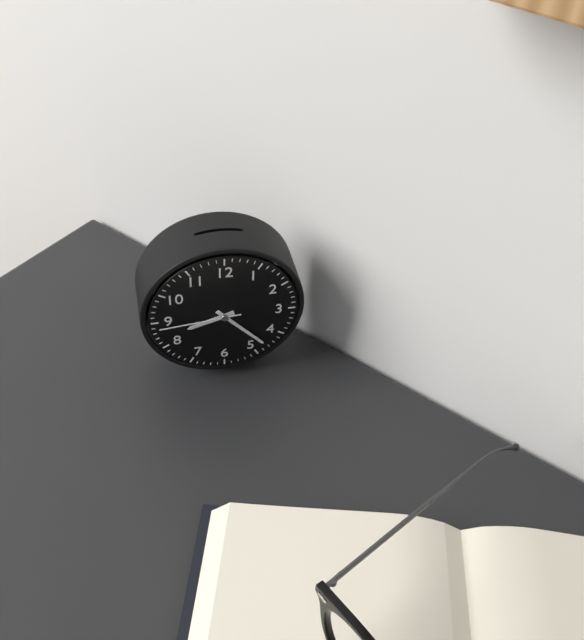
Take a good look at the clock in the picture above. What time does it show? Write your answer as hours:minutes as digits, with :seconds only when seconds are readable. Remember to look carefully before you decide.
8:23:44
